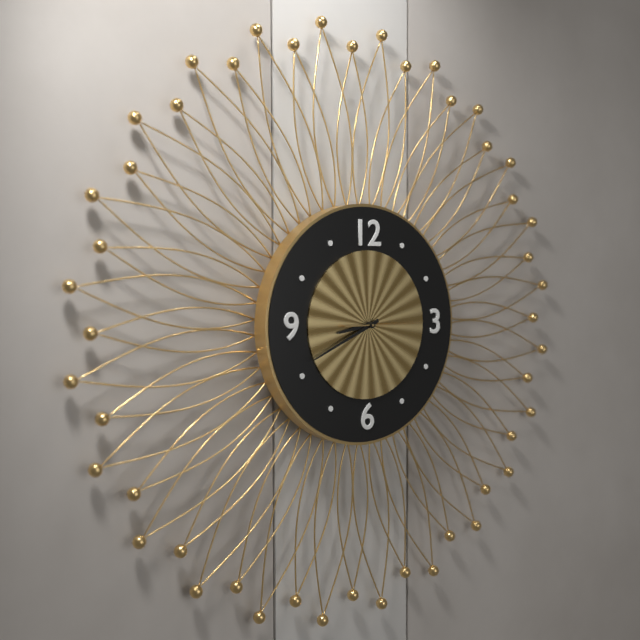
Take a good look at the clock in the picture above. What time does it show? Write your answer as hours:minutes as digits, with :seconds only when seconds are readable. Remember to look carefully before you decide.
8:41:15
